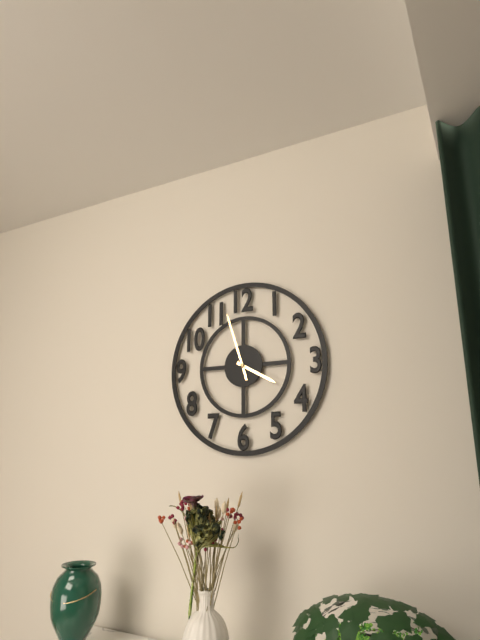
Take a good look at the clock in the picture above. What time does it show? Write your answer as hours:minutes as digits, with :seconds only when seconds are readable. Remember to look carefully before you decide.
3:57
